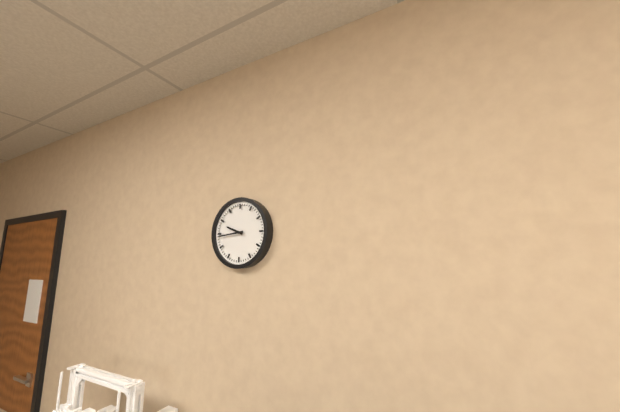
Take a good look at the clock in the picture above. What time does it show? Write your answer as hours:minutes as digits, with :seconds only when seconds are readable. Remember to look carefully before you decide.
9:44
